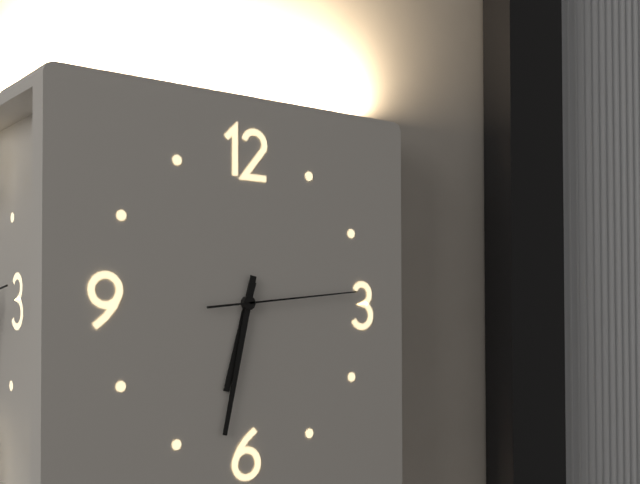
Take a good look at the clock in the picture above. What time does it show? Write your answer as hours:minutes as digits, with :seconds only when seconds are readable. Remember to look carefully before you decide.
6:32:14
